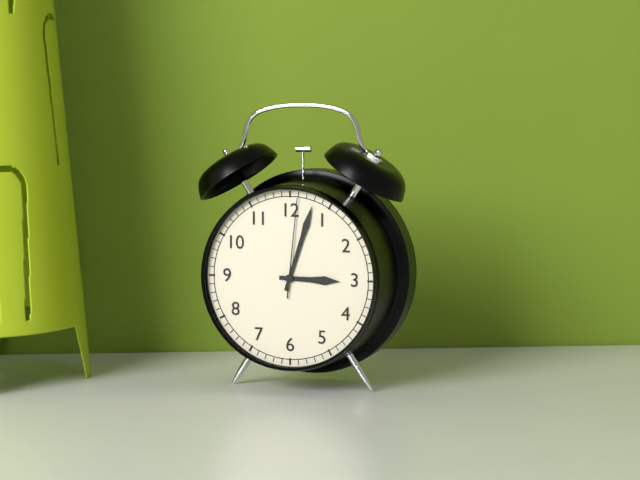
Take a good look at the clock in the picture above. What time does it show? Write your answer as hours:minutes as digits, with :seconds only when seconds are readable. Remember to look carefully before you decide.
3:03:01
